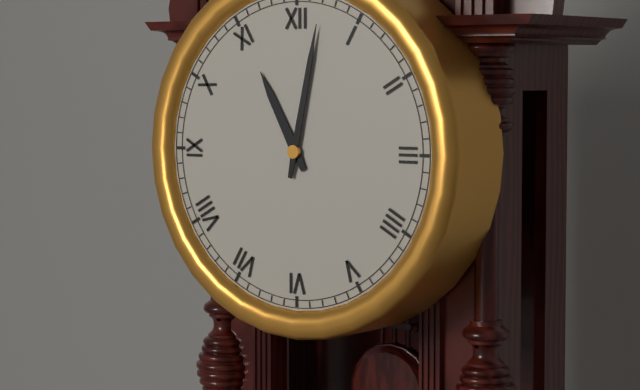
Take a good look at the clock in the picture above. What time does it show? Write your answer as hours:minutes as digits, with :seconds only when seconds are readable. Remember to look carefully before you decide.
11:02
